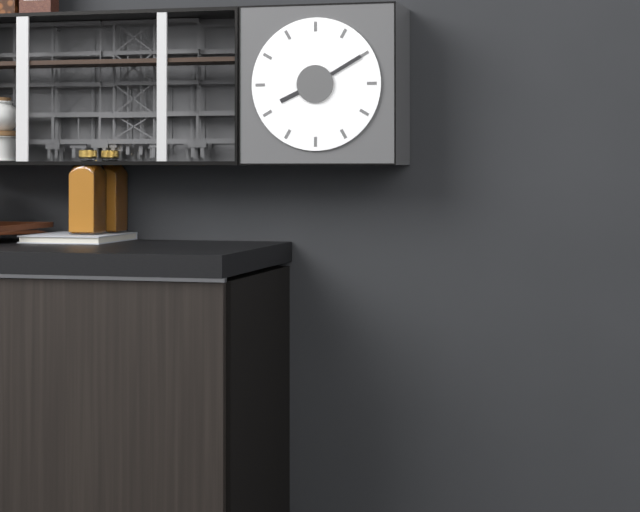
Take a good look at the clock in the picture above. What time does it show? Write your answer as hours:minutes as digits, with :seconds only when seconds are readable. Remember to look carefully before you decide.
8:10
